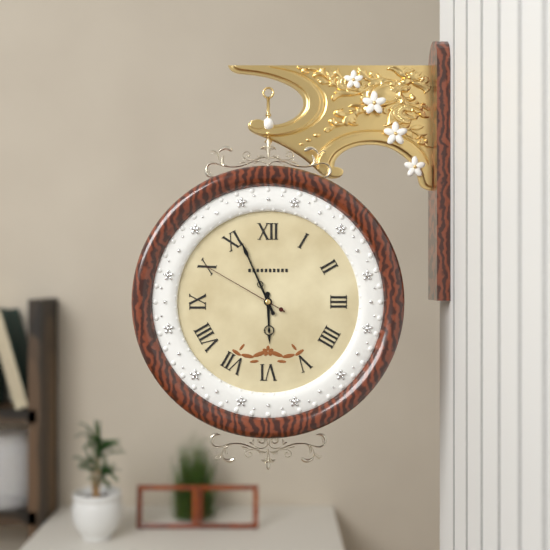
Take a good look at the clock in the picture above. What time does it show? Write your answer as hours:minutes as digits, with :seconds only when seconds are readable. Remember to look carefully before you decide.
5:56:50
